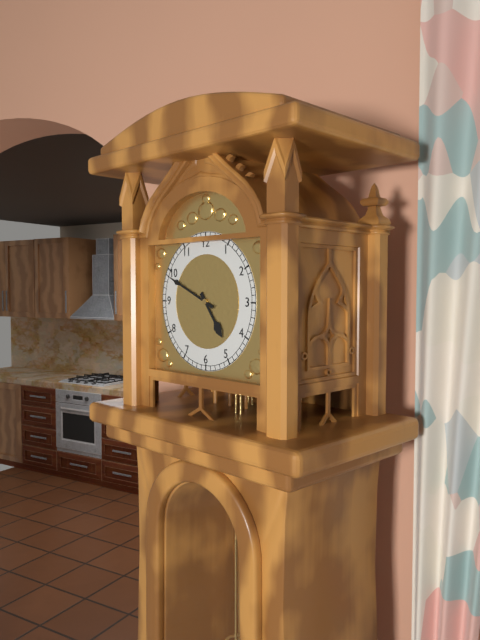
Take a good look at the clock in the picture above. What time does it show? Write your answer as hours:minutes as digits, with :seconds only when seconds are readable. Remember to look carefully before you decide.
4:49
